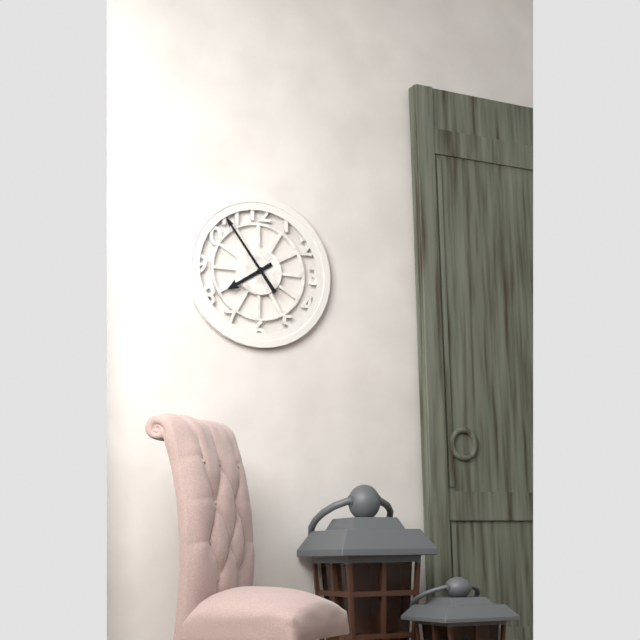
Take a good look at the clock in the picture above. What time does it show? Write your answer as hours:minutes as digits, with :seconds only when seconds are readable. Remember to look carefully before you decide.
7:54
